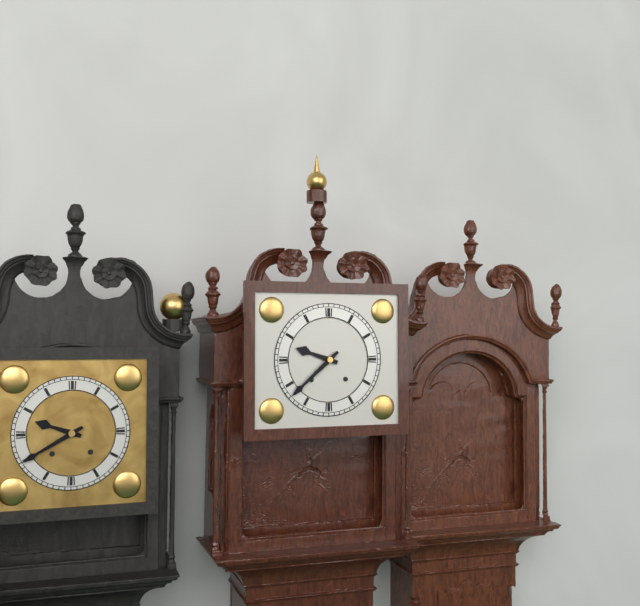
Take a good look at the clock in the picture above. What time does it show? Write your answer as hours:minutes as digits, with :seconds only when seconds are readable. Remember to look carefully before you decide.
9:38
